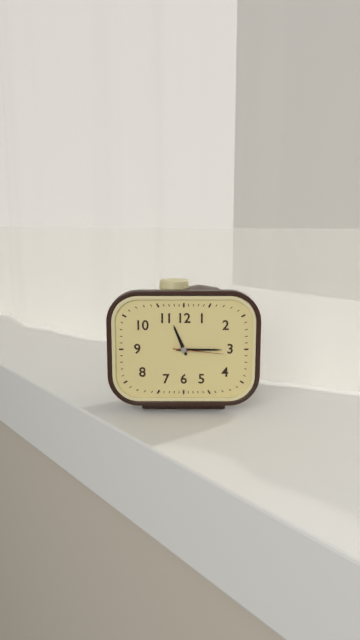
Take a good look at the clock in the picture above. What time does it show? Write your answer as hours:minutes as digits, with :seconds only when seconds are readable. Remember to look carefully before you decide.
11:15:16
